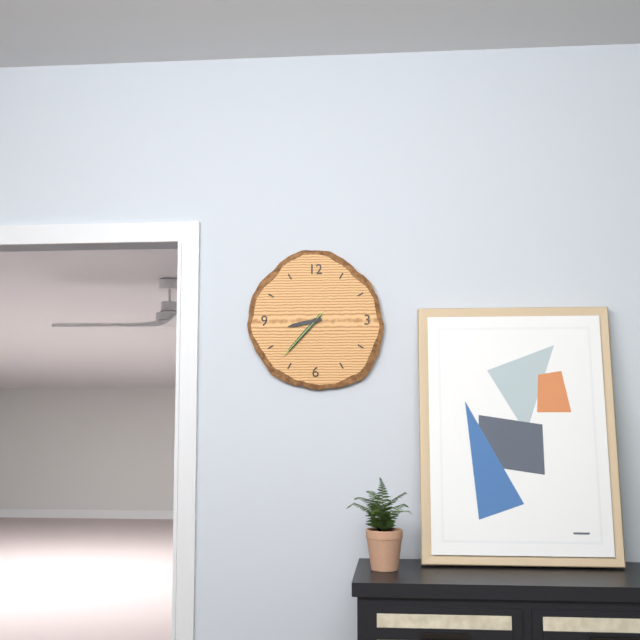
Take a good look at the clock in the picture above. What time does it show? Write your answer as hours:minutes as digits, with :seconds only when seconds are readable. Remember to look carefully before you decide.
8:37:37
